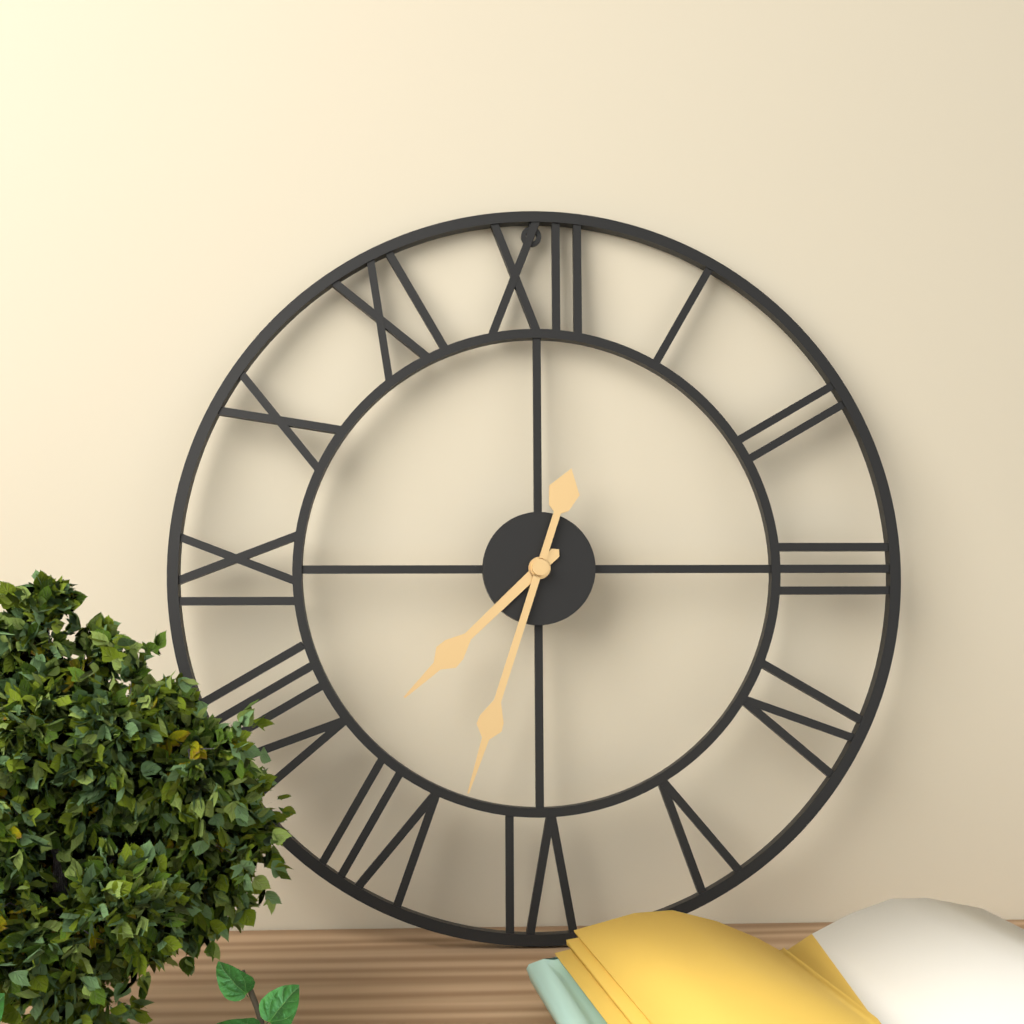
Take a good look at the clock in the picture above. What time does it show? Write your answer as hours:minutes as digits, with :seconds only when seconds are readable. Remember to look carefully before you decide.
7:33
